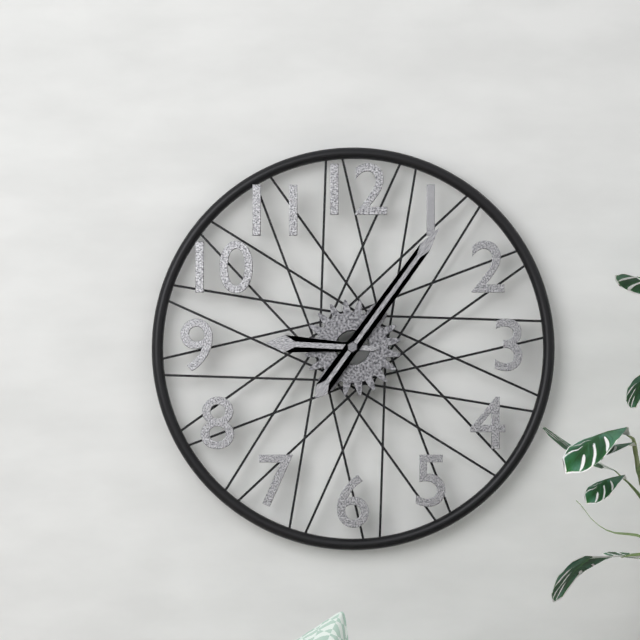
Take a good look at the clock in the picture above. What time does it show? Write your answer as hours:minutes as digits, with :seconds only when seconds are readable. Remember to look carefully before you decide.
9:06
